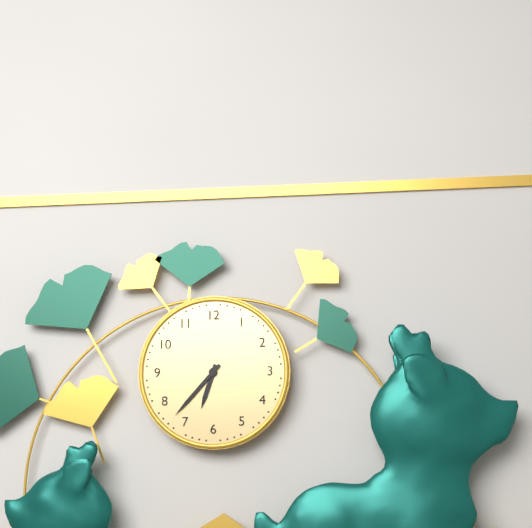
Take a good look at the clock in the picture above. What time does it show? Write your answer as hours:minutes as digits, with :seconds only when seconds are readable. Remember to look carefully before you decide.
6:37
